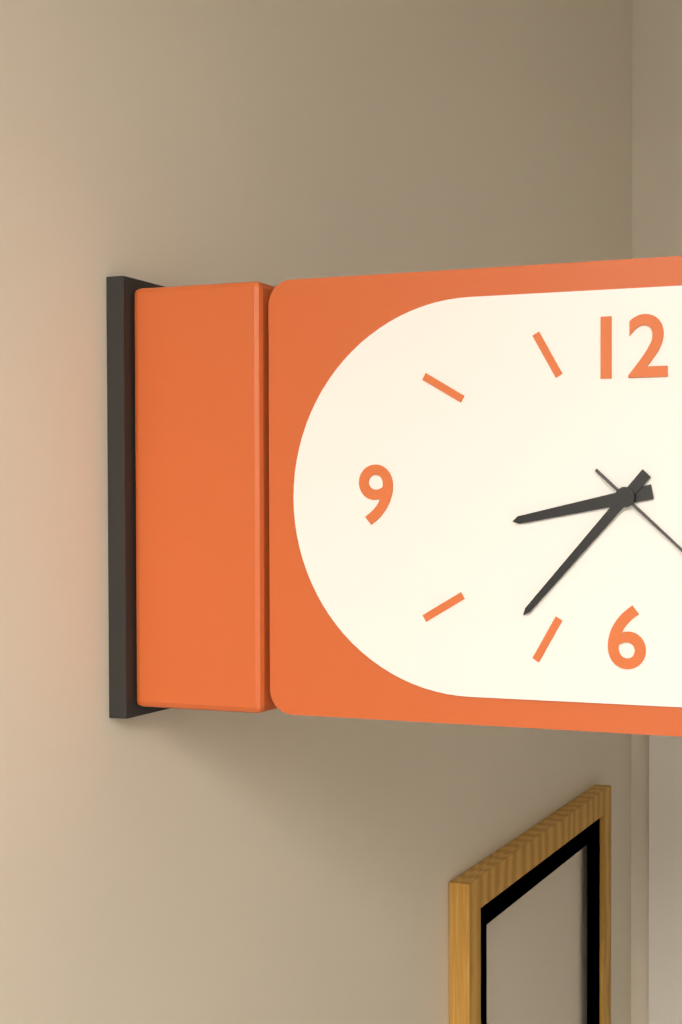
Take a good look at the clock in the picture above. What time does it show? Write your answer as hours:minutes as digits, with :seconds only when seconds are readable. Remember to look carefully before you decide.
8:37
